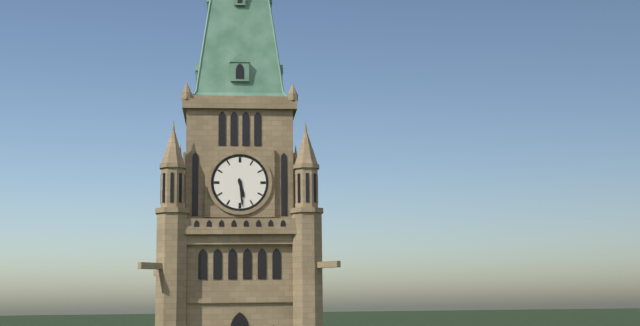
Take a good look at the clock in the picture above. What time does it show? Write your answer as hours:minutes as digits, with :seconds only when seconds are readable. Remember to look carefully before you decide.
5:29
